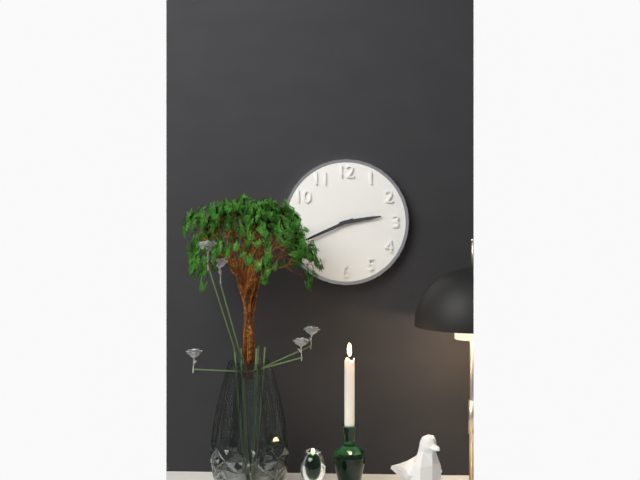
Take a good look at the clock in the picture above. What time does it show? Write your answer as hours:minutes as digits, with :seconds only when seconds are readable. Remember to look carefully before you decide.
2:41
